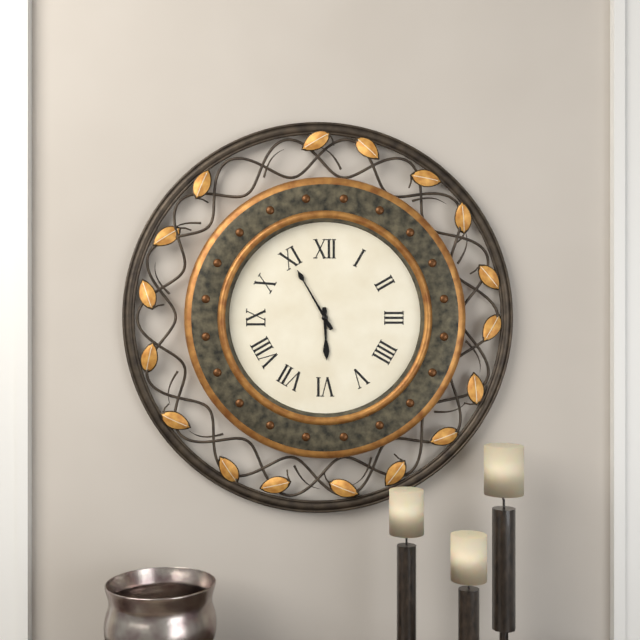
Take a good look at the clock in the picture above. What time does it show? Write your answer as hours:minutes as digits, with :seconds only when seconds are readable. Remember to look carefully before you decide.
5:55
